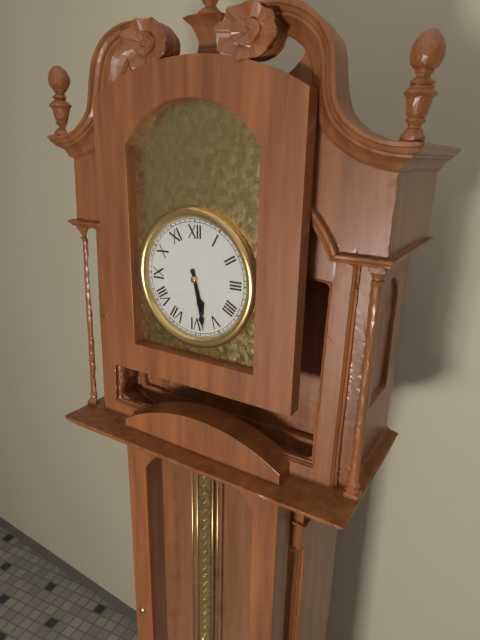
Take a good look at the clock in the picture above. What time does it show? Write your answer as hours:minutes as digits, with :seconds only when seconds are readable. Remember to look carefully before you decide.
5:28
